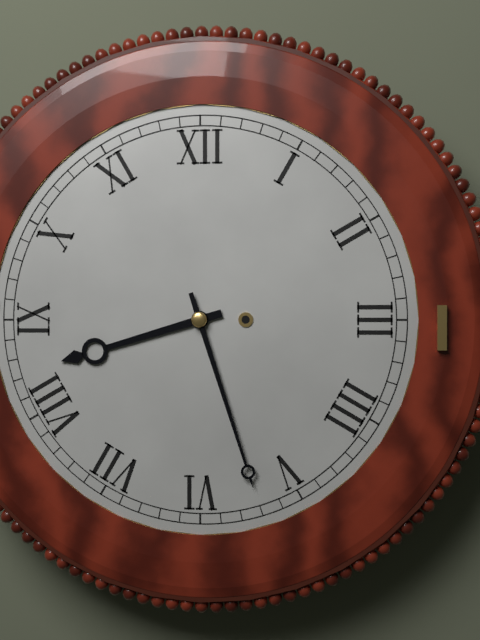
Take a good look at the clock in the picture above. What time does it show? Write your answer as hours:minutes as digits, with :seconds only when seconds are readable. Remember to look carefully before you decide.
8:27
